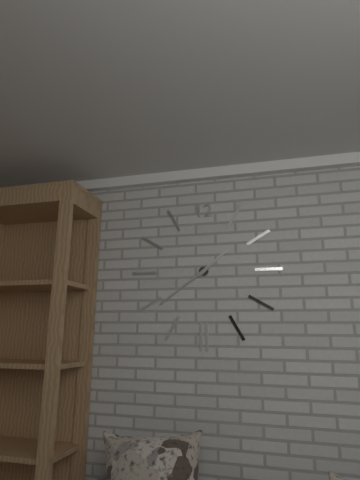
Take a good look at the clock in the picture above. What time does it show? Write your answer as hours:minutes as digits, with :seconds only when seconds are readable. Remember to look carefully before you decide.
1:39
